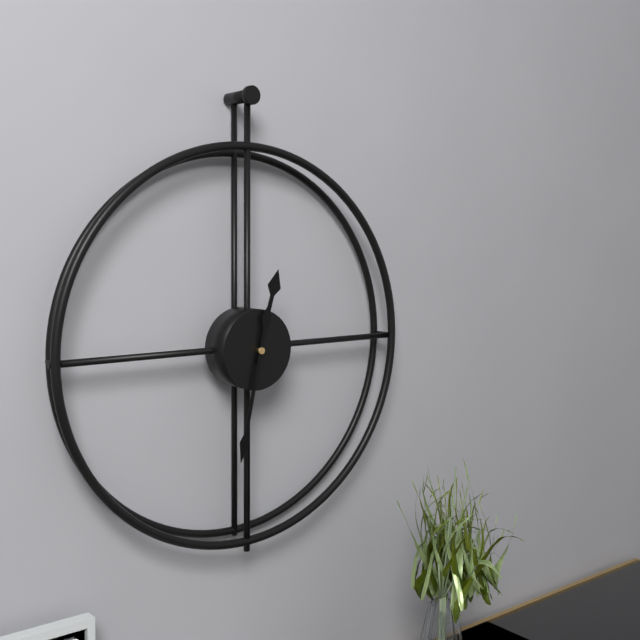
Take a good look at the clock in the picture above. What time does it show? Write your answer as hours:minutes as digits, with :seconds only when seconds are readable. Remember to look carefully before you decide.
12:32
